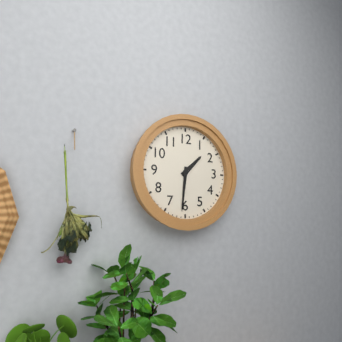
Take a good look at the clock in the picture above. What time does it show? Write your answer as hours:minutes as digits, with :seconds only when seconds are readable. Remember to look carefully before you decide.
1:31
